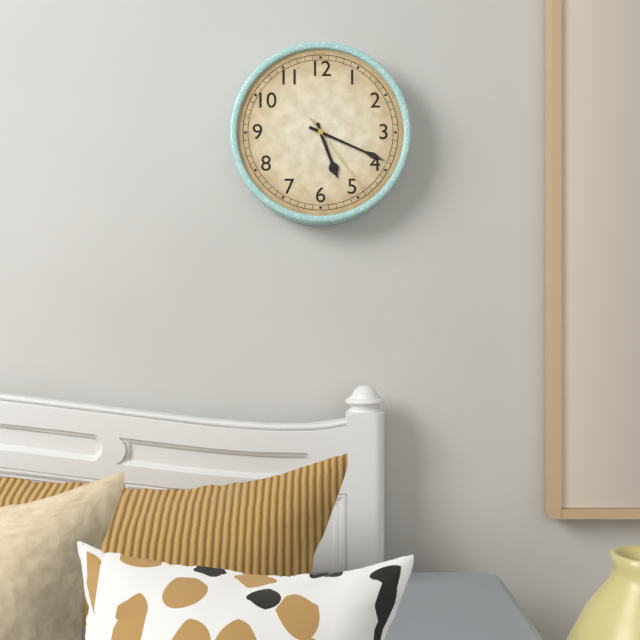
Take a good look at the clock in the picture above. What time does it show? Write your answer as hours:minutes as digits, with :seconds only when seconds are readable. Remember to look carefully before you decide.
5:19:24
